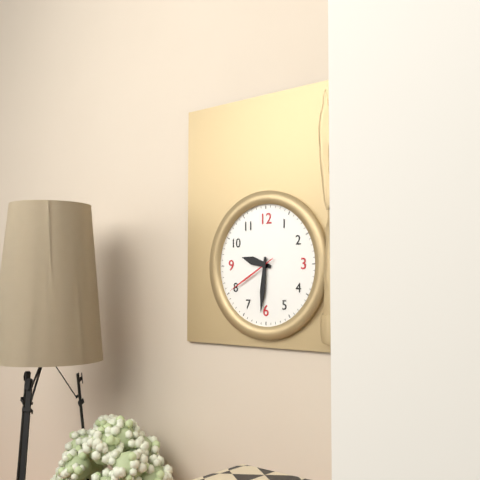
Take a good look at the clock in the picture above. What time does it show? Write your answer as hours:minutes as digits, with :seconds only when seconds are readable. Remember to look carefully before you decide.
9:31:40
